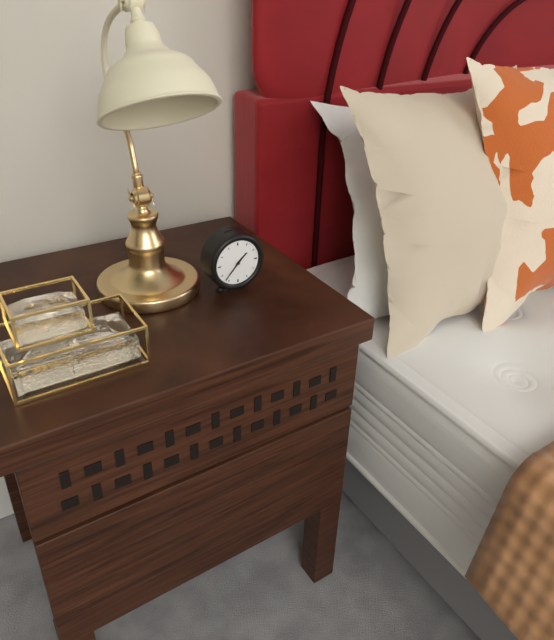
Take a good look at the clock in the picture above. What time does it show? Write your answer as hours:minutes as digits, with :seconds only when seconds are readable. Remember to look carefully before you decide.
1:37
